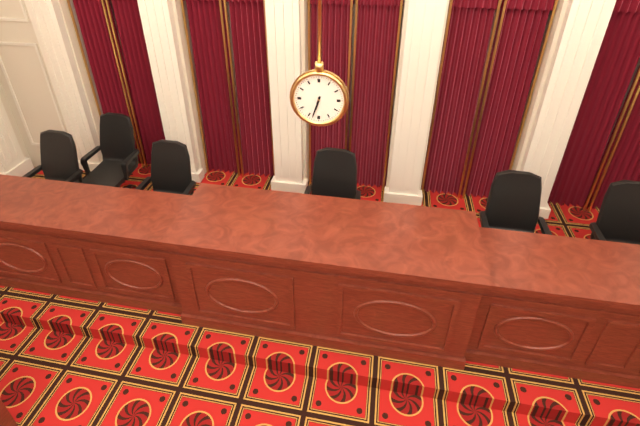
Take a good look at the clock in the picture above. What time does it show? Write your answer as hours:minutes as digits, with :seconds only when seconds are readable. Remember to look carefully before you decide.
6:33
